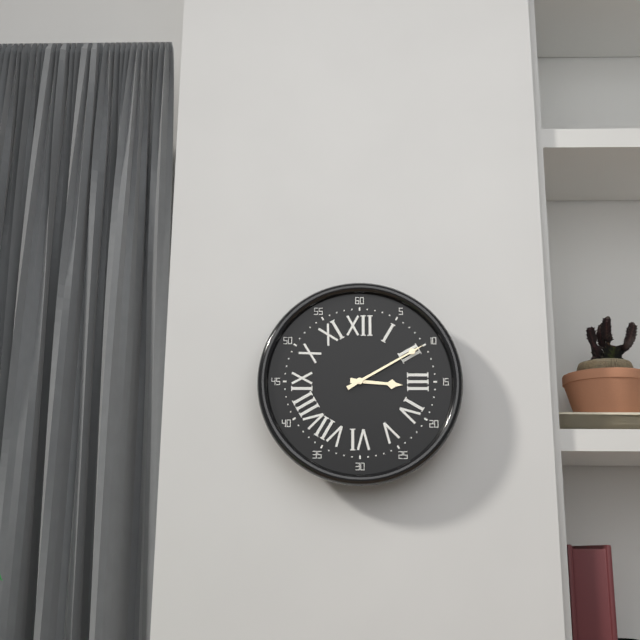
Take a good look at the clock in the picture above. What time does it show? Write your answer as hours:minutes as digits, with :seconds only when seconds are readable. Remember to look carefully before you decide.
3:10
